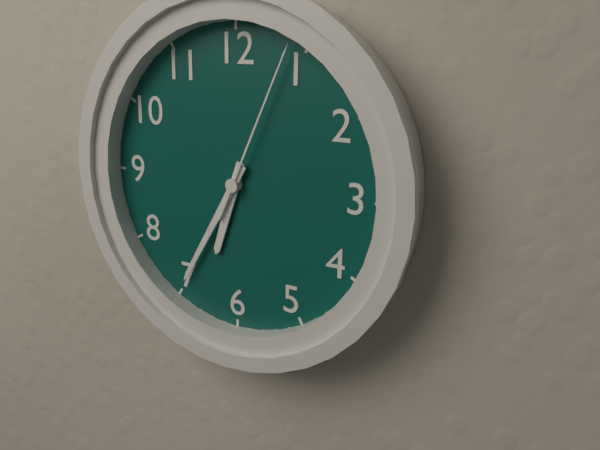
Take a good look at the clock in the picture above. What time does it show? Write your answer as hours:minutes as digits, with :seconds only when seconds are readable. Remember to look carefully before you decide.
6:35:04
